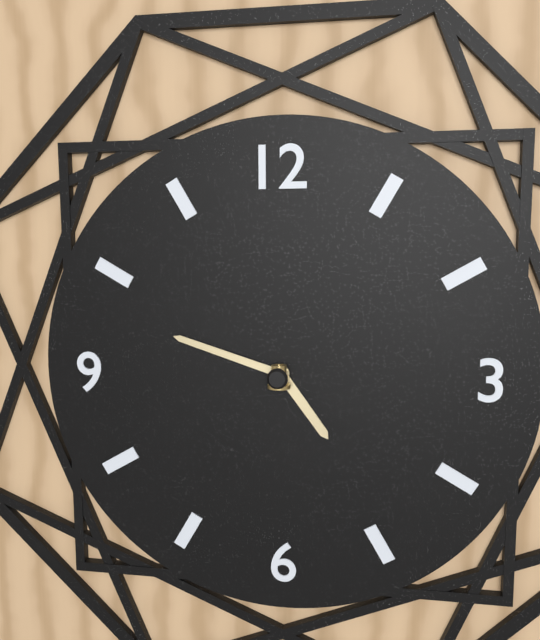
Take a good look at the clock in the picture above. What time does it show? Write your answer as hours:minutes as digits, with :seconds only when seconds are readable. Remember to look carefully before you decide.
4:48
